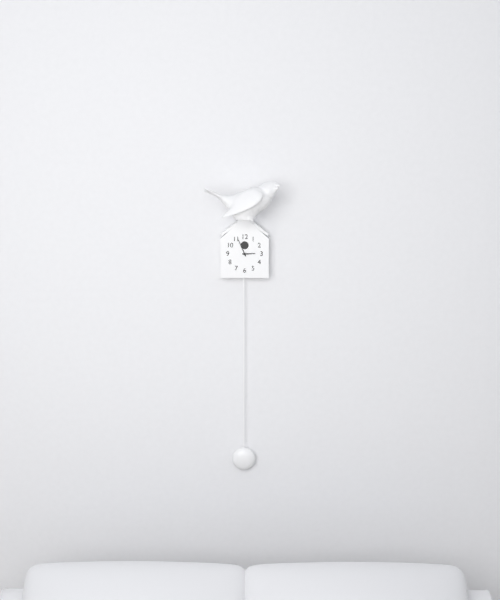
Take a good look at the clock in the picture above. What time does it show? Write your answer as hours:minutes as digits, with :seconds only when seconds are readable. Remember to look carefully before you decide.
2:56
